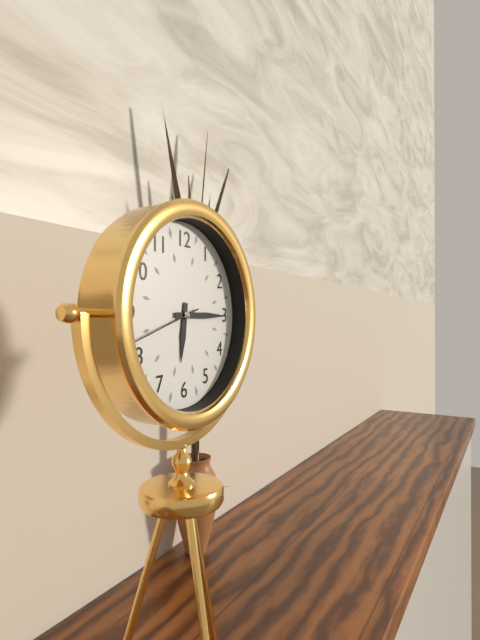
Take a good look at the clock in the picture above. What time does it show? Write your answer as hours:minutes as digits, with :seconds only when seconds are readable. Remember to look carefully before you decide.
6:15:42
